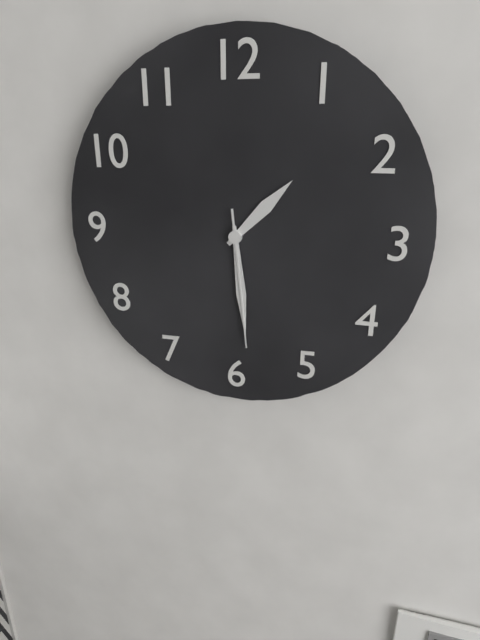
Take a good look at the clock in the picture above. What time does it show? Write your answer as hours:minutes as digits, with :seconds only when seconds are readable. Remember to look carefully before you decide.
1:29:29
